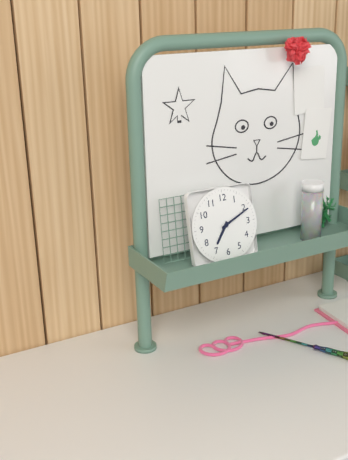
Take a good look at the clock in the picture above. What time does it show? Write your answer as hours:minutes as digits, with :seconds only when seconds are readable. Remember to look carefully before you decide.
7:11
